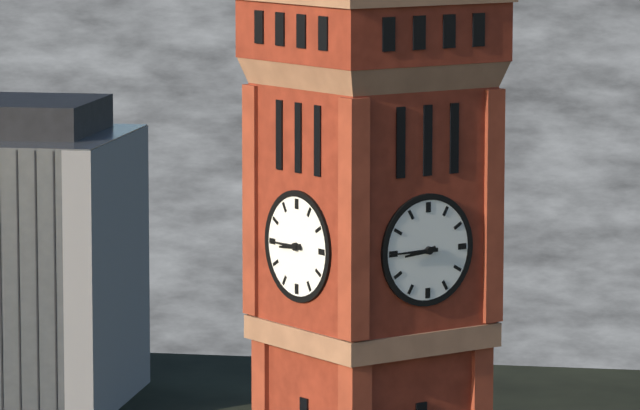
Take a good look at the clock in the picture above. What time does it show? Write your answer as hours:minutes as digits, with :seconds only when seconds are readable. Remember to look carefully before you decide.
8:45
